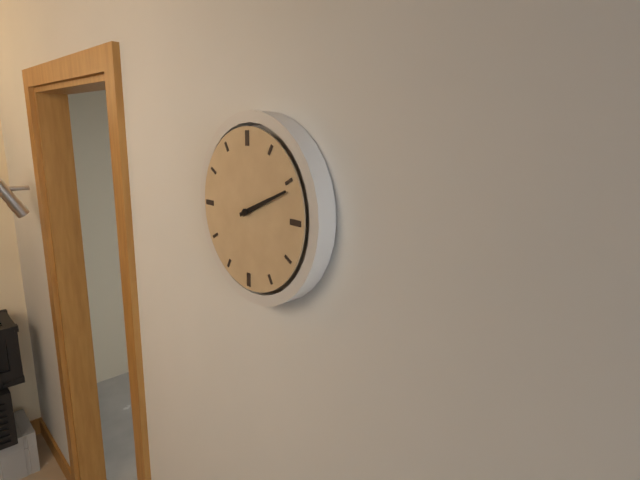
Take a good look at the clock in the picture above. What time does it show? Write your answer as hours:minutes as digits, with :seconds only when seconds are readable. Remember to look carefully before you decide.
2:11
